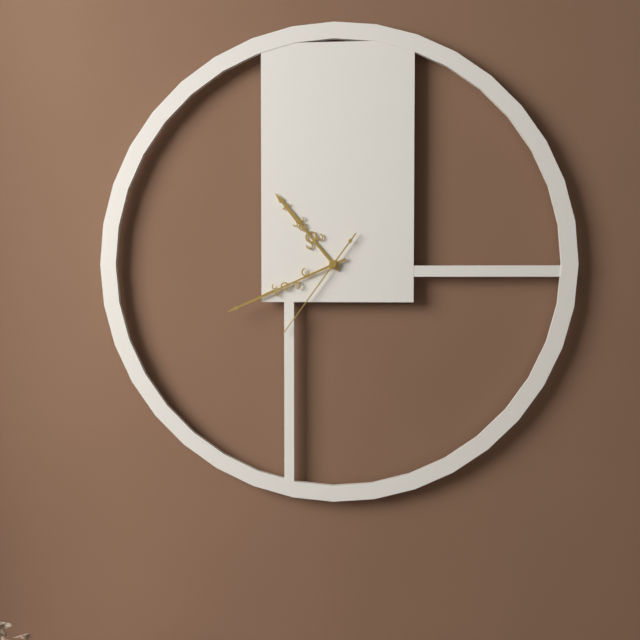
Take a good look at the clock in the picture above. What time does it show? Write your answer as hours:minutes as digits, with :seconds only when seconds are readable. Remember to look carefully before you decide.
10:41:36
